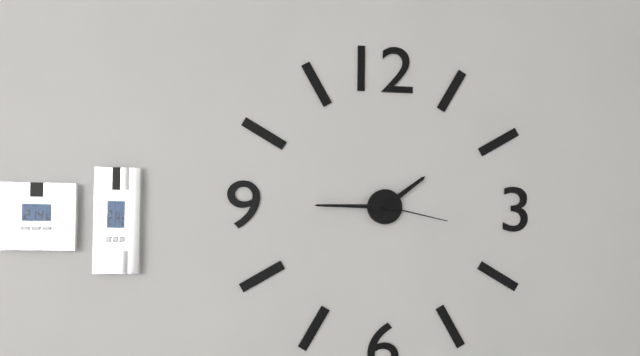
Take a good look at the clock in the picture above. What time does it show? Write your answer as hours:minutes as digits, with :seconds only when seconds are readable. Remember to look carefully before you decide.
1:45:17
